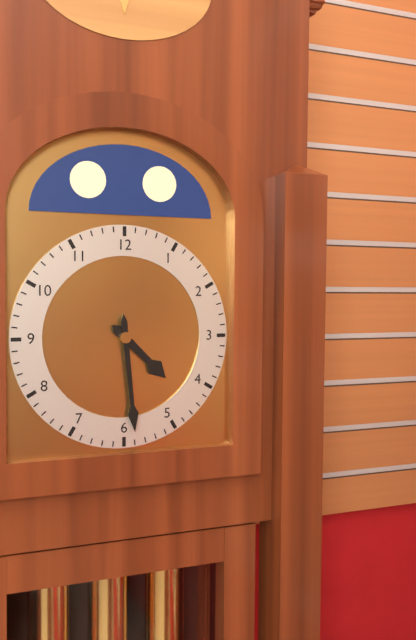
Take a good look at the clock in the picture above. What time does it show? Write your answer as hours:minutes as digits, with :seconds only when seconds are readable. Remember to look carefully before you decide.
4:29
